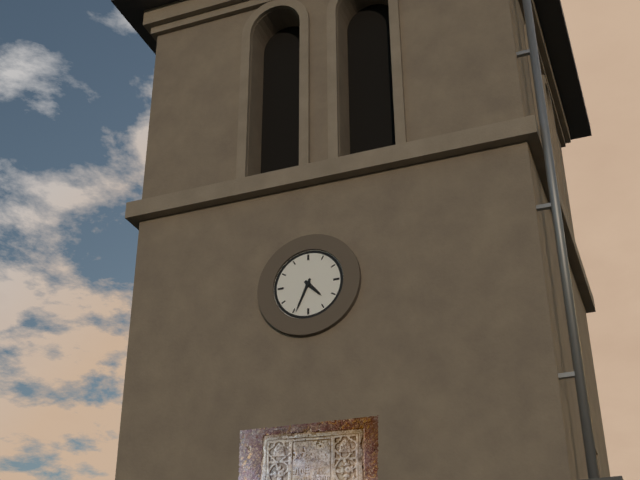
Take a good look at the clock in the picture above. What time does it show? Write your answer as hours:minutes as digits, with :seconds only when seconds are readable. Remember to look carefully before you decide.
4:34
